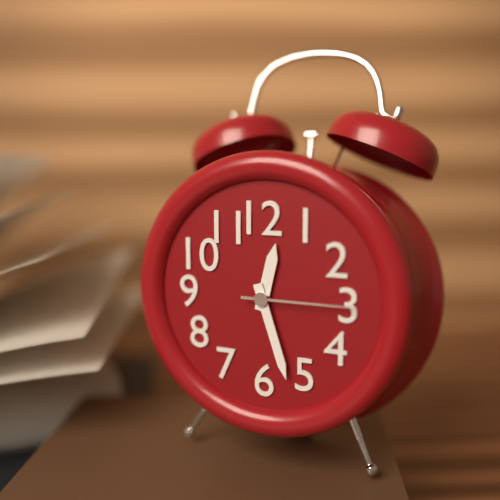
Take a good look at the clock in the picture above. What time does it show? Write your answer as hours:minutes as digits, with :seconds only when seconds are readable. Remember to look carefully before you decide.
12:27:15
